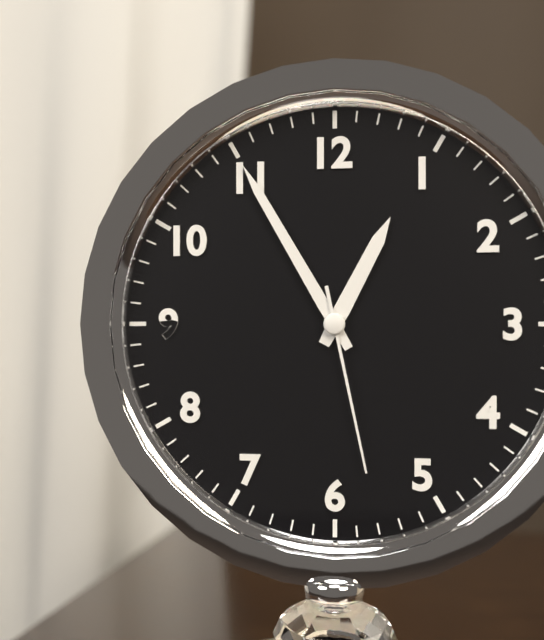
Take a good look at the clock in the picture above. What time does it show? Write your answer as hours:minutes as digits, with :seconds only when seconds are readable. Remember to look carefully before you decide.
12:55:28
